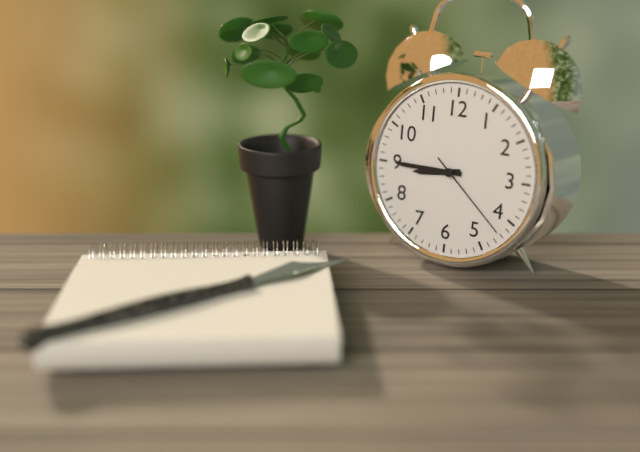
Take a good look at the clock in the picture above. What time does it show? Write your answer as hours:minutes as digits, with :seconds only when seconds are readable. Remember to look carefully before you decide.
8:45:22
